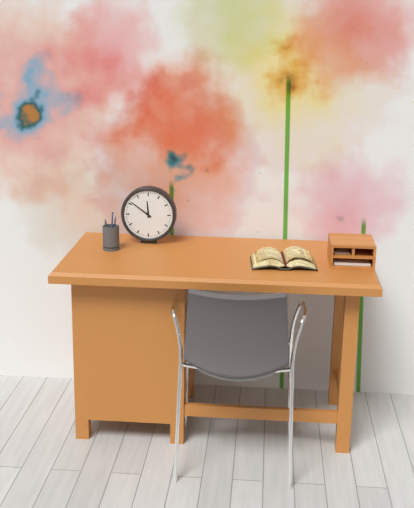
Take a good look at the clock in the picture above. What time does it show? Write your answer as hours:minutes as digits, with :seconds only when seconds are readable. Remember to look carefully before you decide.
11:51
